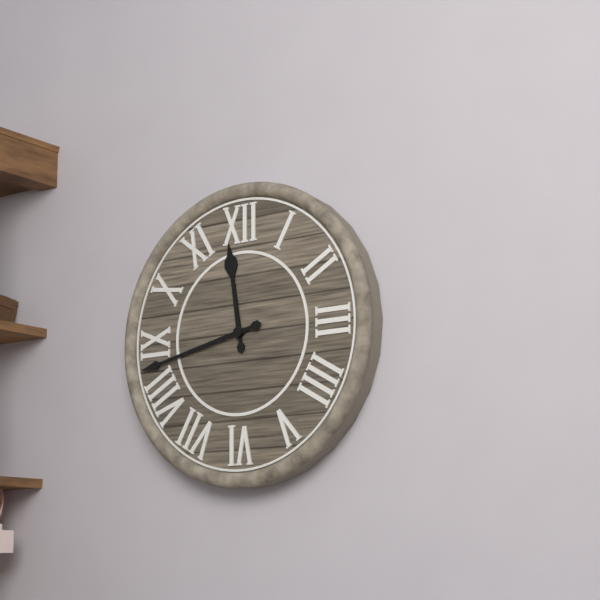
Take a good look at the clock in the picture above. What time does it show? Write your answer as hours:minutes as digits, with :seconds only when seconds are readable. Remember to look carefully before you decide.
11:43
